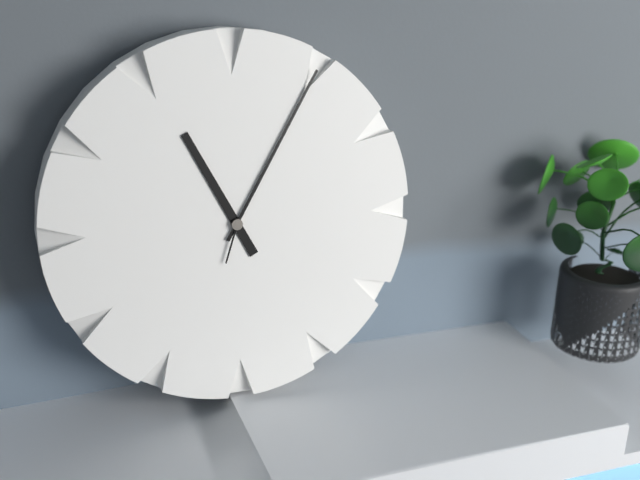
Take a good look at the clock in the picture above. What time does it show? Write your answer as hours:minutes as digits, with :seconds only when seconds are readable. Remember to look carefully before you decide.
11:05:33
